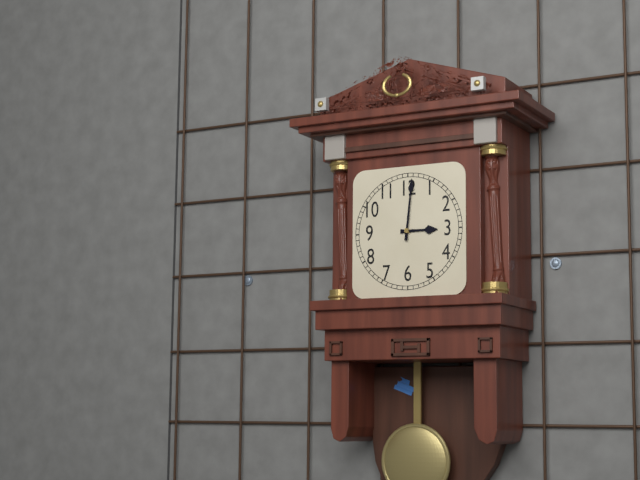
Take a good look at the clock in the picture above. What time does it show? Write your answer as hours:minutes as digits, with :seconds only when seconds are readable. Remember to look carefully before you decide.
3:01
